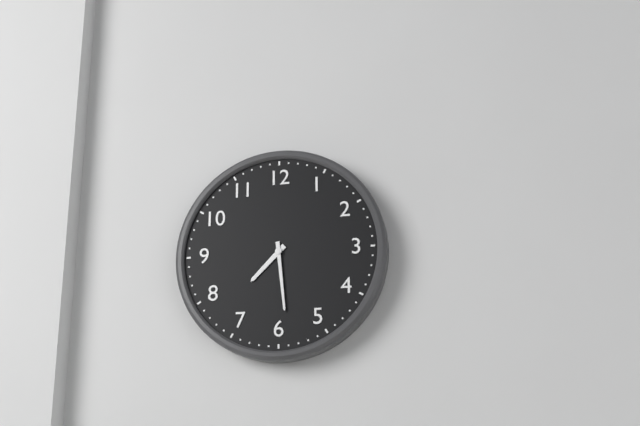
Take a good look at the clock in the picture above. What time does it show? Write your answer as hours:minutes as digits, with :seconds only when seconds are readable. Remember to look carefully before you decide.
7:29
